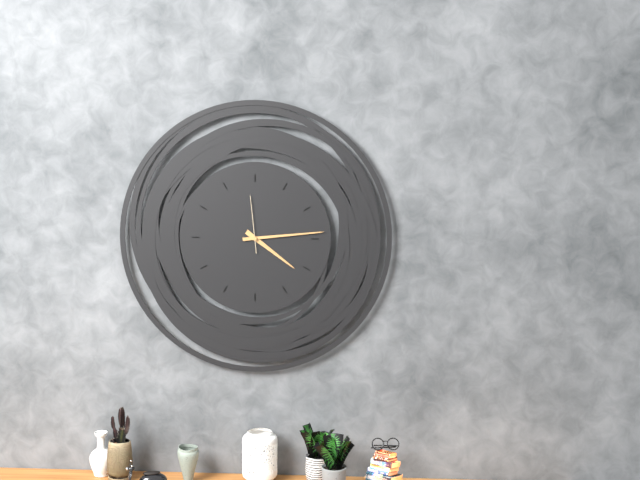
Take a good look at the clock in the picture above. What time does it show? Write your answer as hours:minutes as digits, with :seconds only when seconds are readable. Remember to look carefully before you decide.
4:14:59
